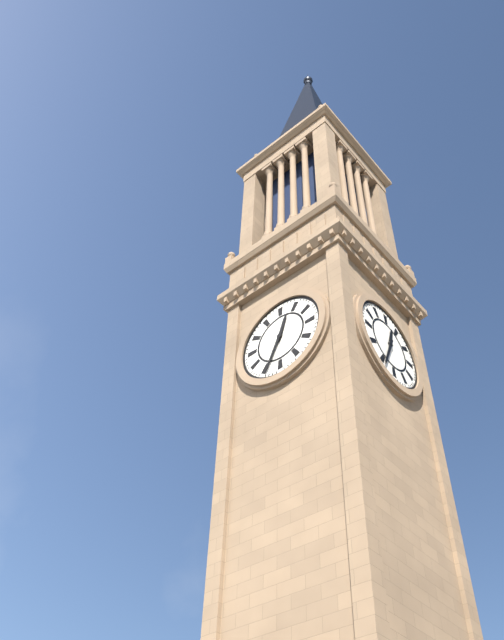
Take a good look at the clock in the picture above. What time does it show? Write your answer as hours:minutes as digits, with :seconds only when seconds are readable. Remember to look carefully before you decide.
12:34
